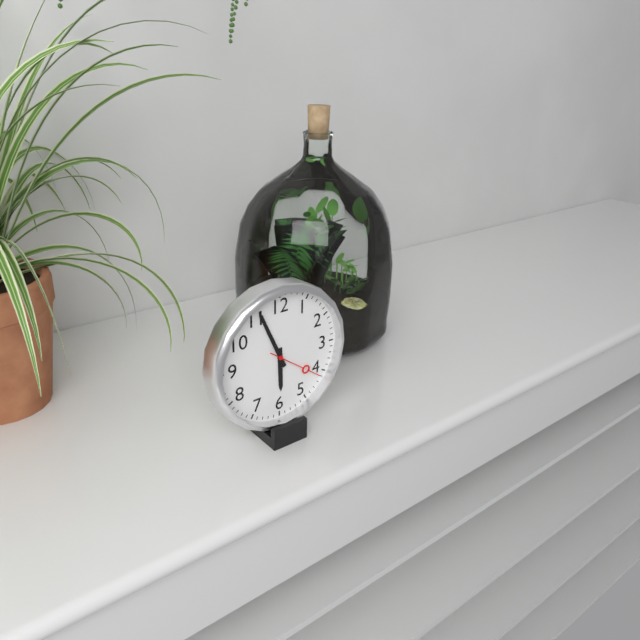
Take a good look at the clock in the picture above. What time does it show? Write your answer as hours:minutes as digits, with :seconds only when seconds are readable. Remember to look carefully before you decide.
5:56:21
